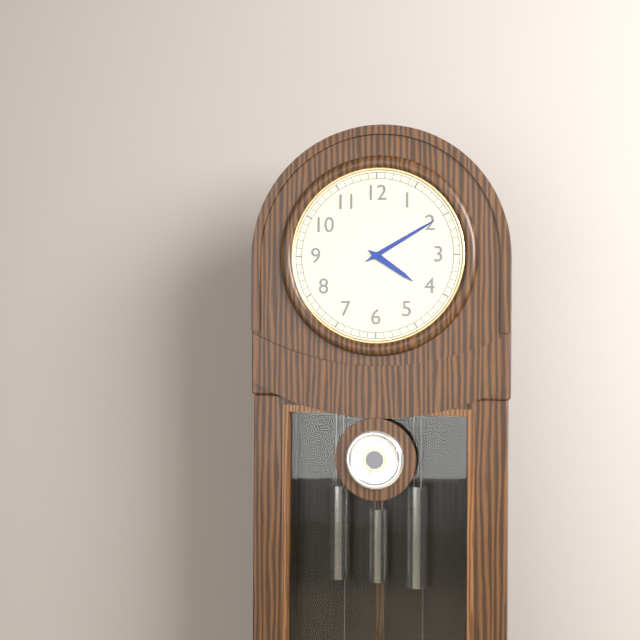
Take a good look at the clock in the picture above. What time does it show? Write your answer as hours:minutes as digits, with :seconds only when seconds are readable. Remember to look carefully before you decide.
4:10
